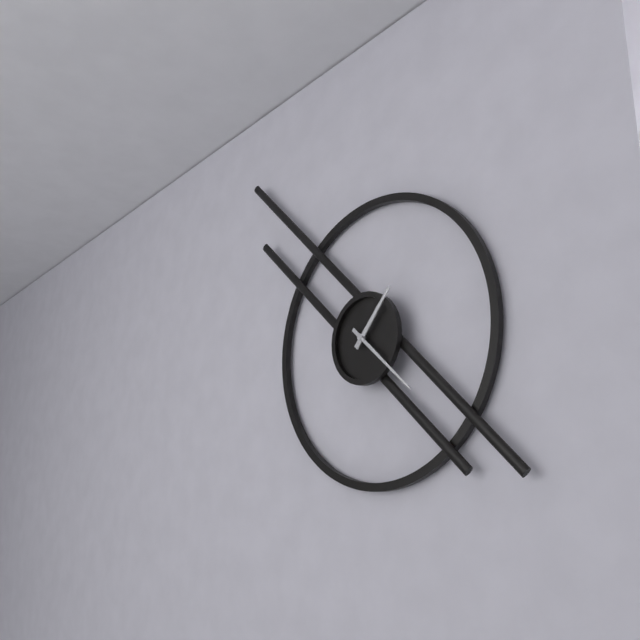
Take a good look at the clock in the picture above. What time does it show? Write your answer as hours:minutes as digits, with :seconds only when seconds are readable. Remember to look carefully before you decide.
1:22
